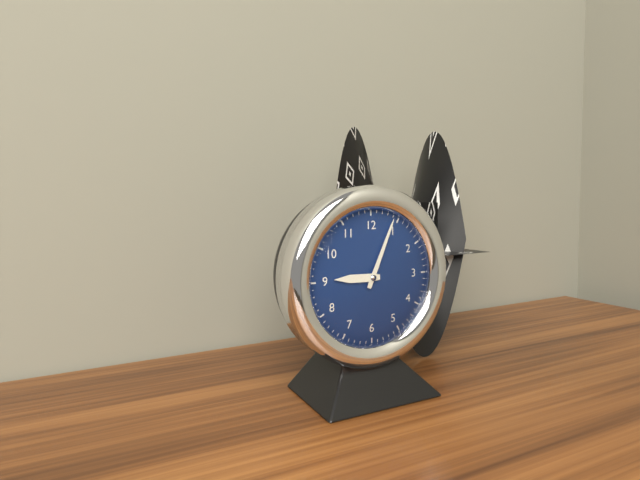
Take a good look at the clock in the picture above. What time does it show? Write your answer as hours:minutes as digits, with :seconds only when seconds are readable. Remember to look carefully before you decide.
9:04
